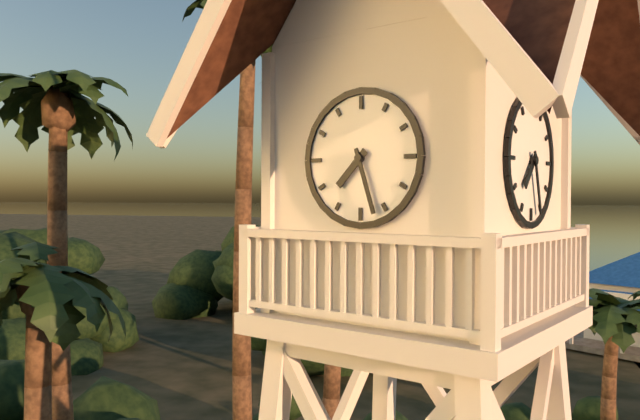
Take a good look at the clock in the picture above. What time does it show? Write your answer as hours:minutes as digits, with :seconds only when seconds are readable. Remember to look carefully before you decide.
7:27
